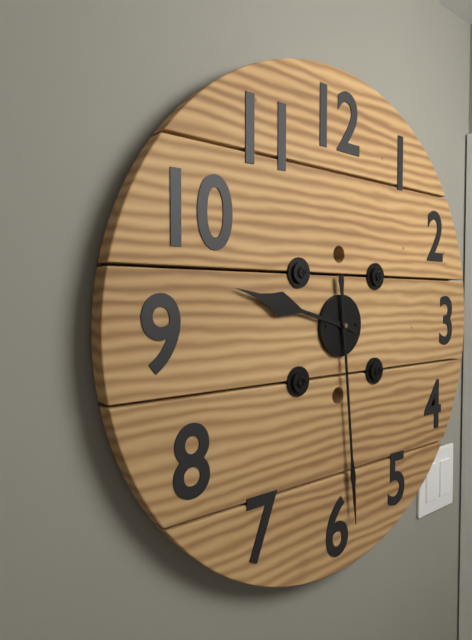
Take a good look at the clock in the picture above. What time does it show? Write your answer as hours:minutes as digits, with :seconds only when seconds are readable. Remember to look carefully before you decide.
9:29
